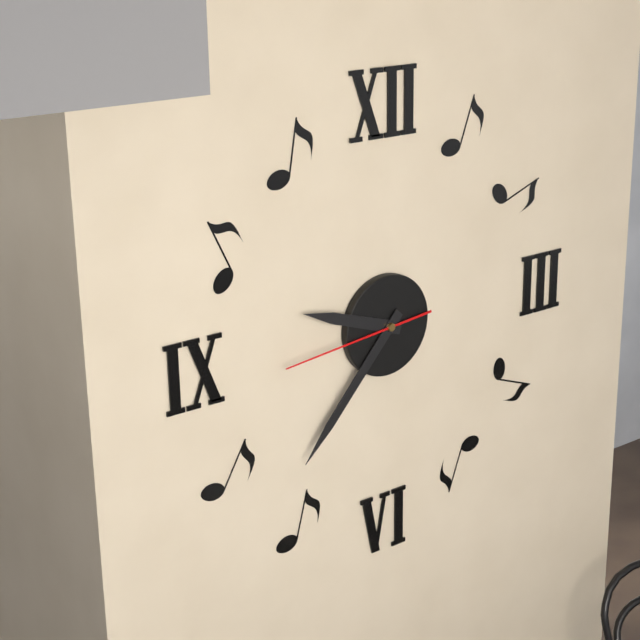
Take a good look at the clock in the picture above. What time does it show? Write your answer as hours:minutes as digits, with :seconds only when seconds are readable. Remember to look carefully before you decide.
9:37:44
